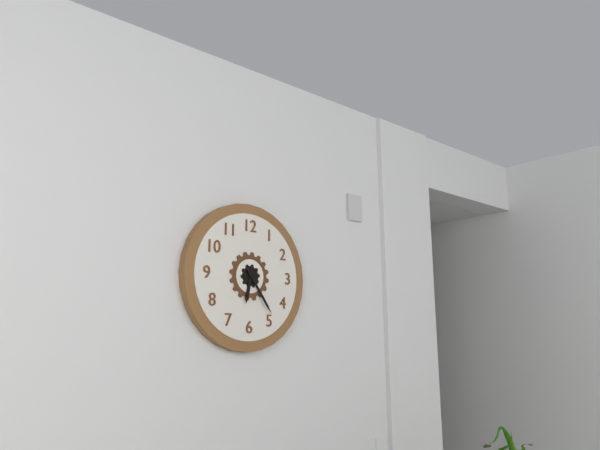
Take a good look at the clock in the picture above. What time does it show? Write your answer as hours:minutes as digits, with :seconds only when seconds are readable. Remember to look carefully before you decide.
6:24
